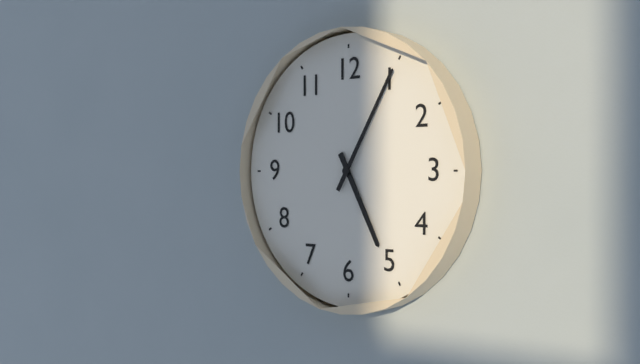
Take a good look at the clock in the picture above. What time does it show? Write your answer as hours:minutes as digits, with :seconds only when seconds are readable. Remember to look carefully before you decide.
5:05
